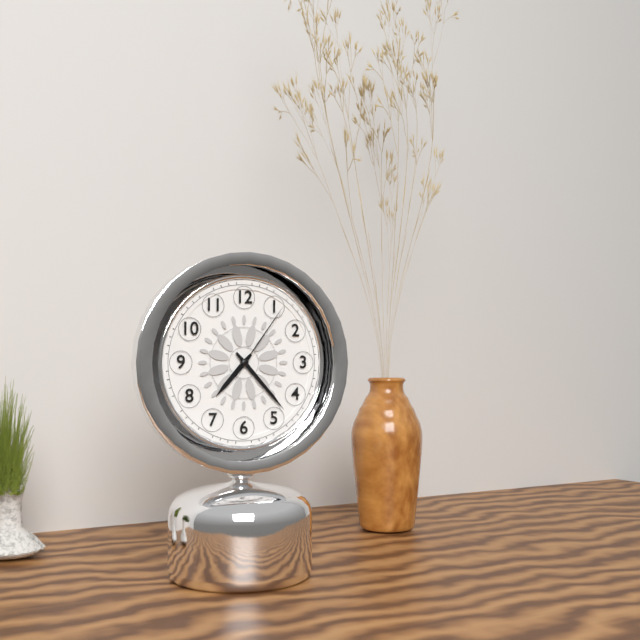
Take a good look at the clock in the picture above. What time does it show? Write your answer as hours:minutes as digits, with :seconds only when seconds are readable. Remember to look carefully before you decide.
7:23:06
